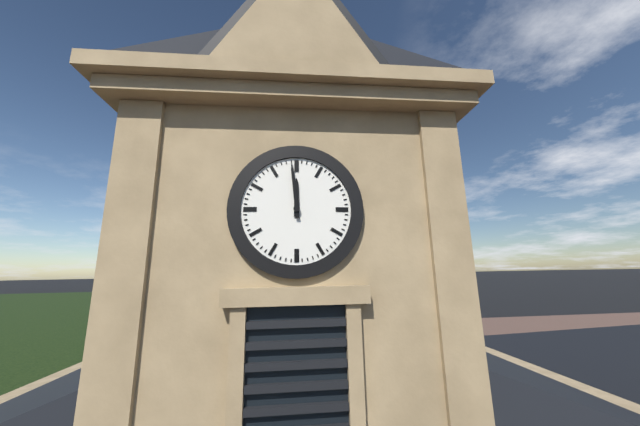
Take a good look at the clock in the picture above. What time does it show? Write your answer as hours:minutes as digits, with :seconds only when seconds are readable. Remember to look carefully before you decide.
11:59
